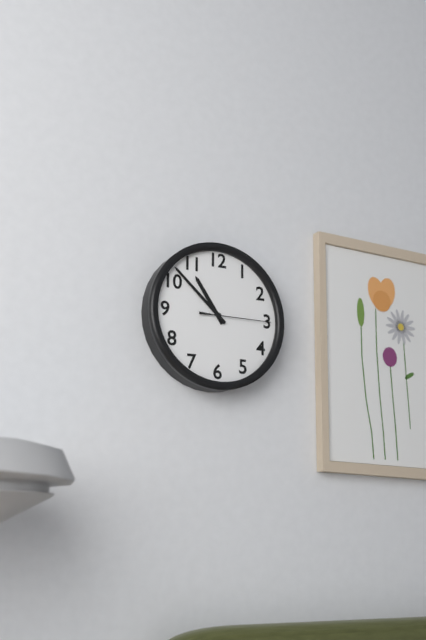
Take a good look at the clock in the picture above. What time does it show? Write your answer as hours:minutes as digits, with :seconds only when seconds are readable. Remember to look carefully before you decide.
10:52:15
